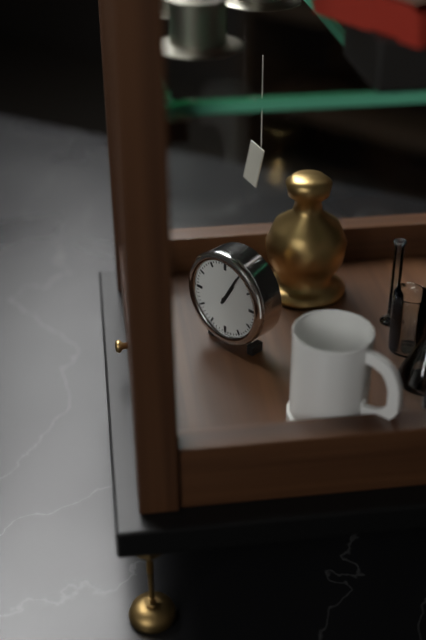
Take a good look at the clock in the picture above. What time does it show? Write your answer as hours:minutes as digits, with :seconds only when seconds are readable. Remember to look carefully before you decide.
1:05
